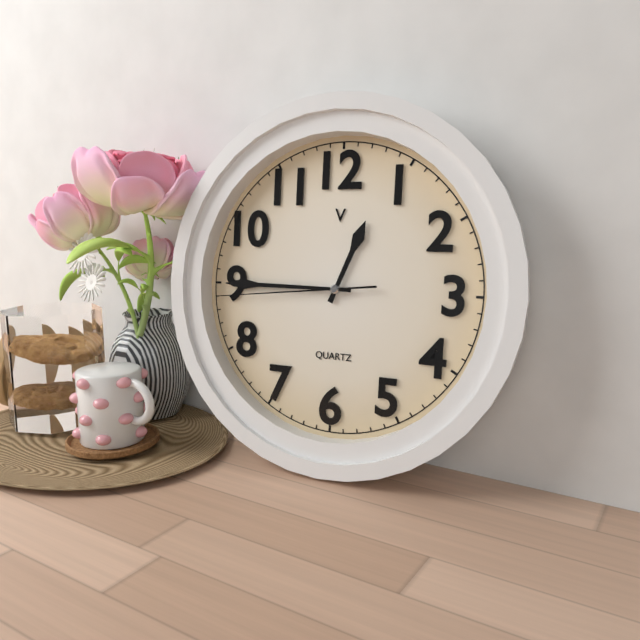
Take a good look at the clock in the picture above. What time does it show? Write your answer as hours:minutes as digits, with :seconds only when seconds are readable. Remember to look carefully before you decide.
12:45:44
